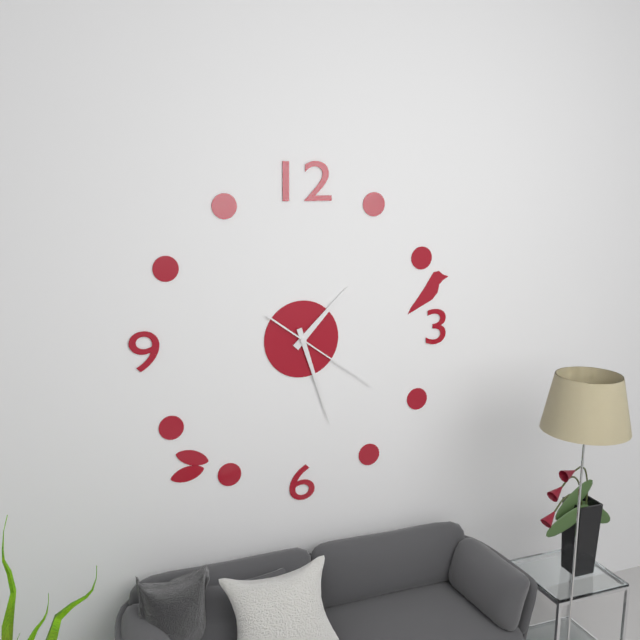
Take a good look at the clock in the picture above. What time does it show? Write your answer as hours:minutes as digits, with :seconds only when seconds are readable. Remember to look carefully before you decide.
1:27:21
